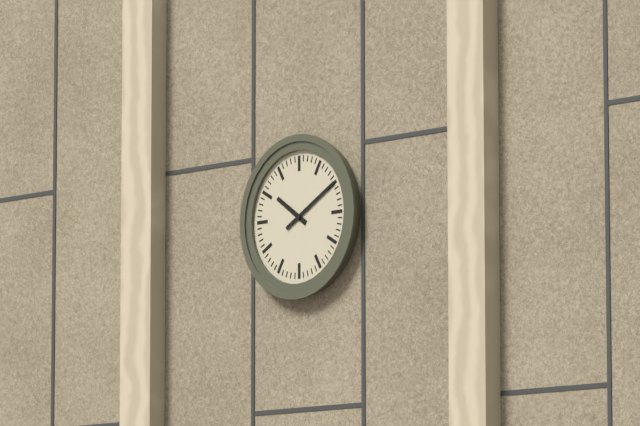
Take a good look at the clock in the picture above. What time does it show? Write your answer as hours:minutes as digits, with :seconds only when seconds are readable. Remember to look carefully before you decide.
10:10
